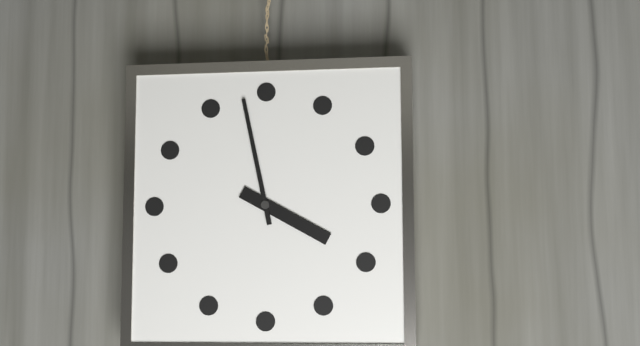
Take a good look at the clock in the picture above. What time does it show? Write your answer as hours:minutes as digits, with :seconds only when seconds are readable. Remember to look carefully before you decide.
3:58
